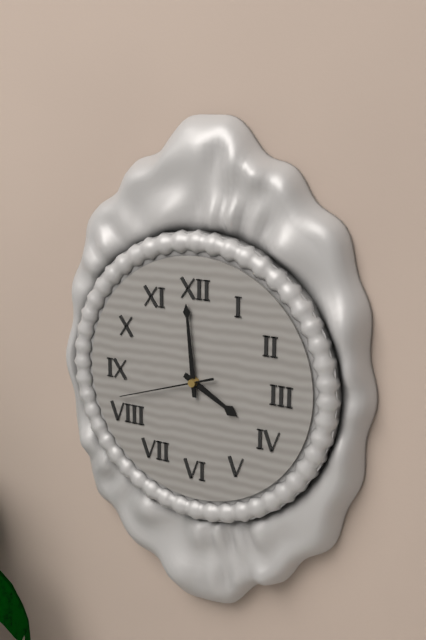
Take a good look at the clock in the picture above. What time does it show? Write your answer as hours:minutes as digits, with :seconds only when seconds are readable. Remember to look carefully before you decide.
3:59:42
